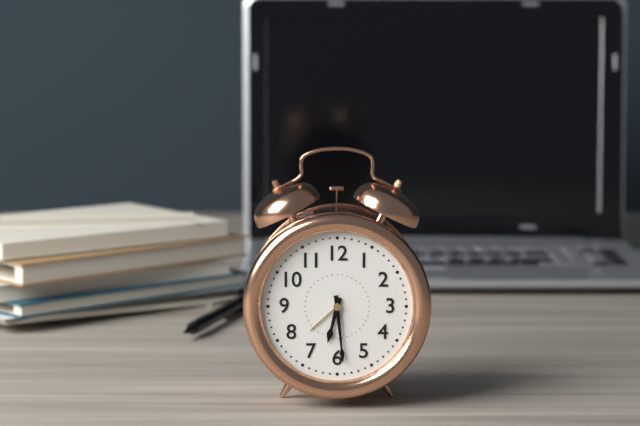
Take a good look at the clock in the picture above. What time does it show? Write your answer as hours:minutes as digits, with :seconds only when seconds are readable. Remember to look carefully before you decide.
6:29
